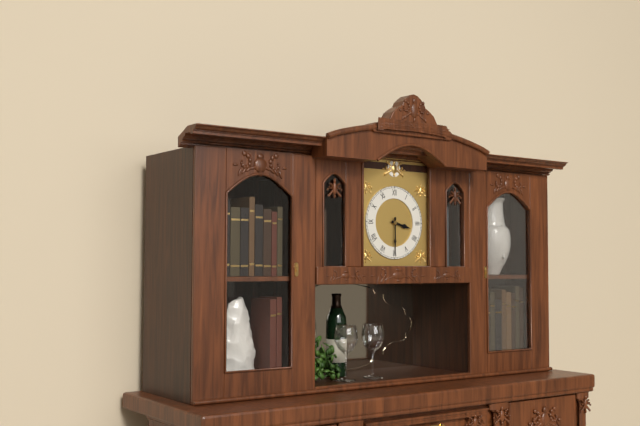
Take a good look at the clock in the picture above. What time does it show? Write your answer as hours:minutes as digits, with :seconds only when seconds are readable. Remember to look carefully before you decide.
3:30
